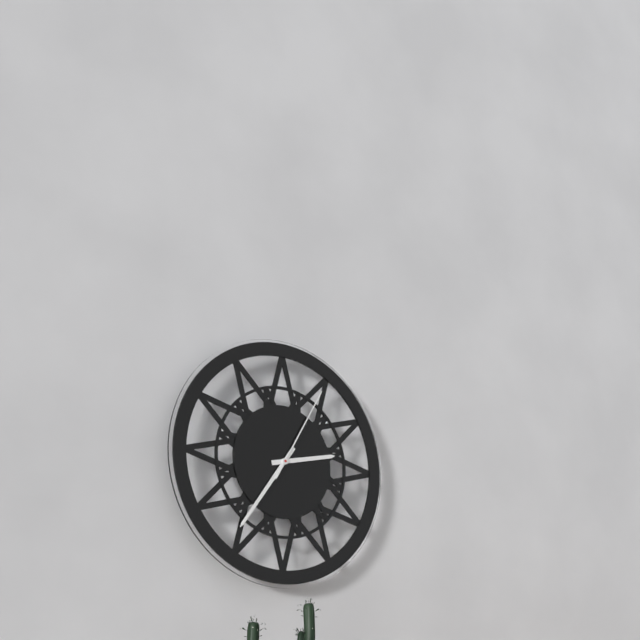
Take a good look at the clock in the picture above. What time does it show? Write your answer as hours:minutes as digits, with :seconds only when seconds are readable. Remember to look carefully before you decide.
2:36:05
